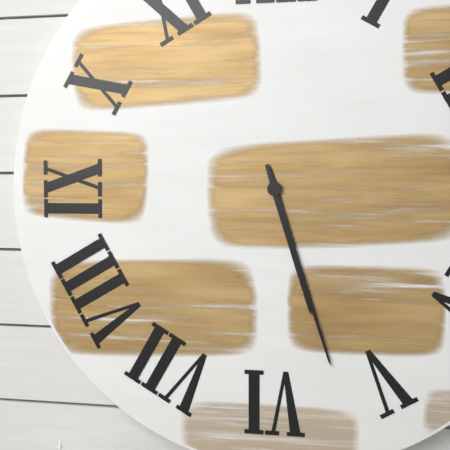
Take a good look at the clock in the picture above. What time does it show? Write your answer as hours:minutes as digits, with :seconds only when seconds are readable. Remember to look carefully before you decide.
5:27
